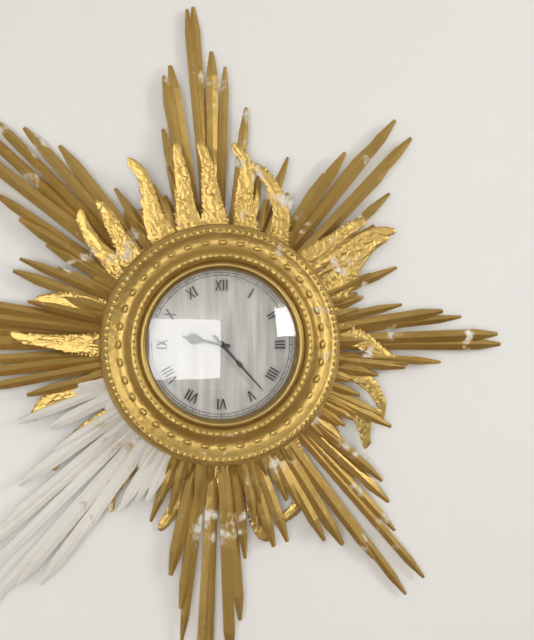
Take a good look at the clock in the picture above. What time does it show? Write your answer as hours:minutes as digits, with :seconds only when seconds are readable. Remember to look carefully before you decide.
9:23
